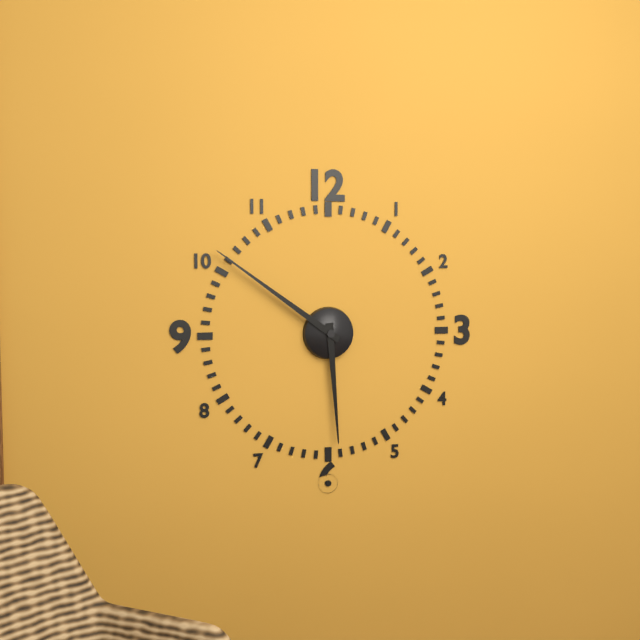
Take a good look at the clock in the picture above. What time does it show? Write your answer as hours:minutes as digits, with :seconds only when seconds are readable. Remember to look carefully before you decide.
5:51
